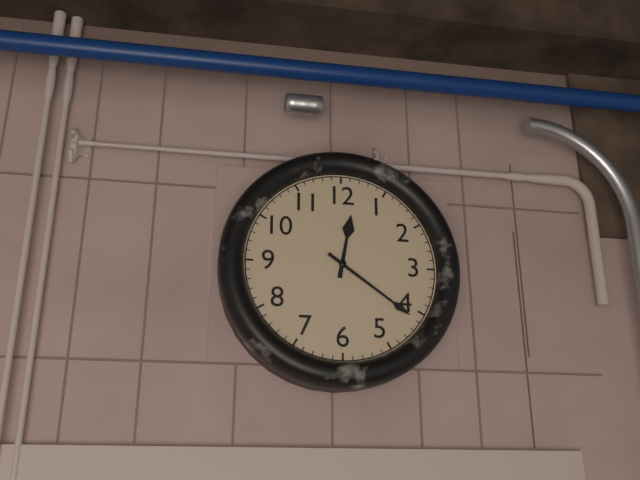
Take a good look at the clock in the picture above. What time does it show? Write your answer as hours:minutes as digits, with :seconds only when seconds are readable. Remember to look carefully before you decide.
12:21
